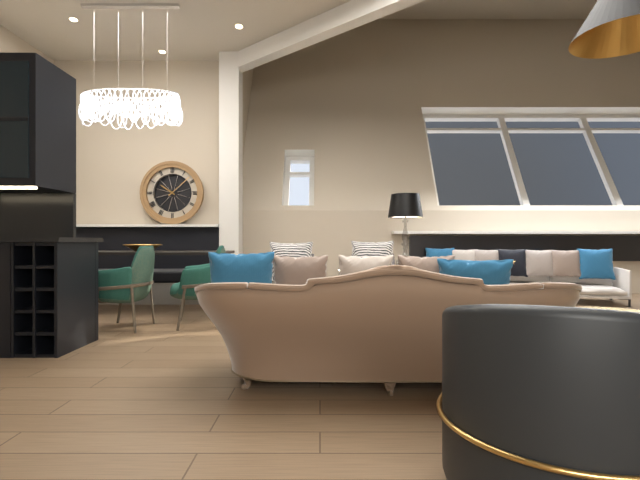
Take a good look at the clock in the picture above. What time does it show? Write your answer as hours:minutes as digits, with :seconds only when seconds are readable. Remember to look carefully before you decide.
10:08
